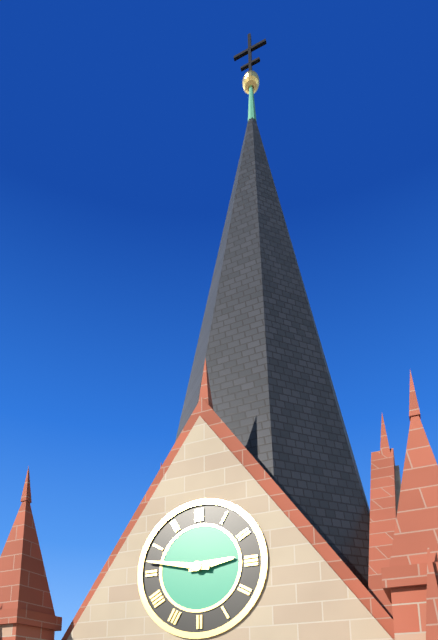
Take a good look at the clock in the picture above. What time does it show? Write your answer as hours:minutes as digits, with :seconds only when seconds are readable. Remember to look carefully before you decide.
2:47
